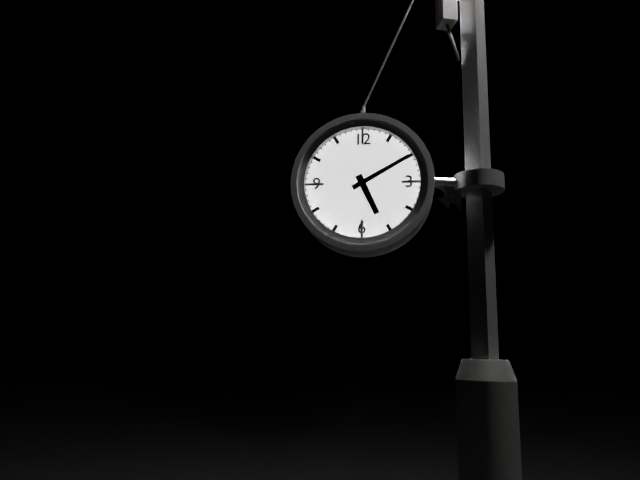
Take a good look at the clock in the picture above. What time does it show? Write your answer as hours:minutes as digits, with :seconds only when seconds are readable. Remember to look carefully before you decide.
5:10
